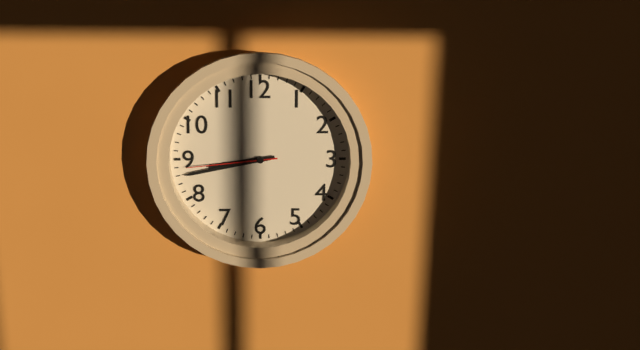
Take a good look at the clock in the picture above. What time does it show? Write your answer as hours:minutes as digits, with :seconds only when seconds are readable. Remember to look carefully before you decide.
8:43:44
